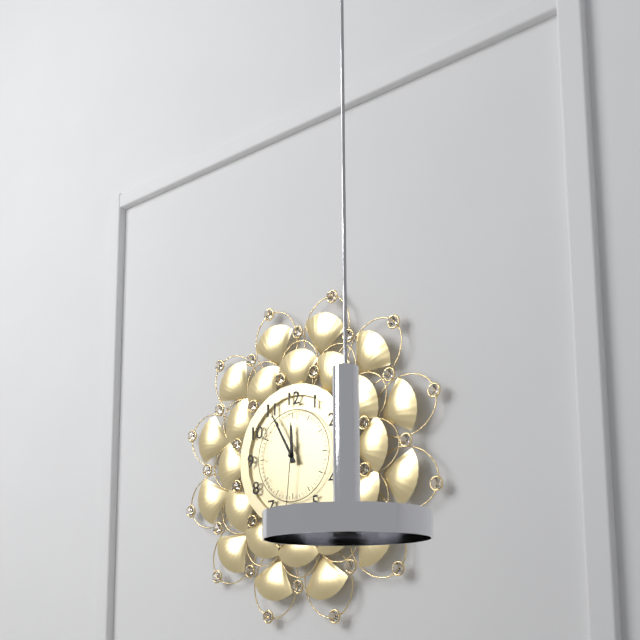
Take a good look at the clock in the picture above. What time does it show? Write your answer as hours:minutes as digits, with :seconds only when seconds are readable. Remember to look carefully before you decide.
11:55:31
